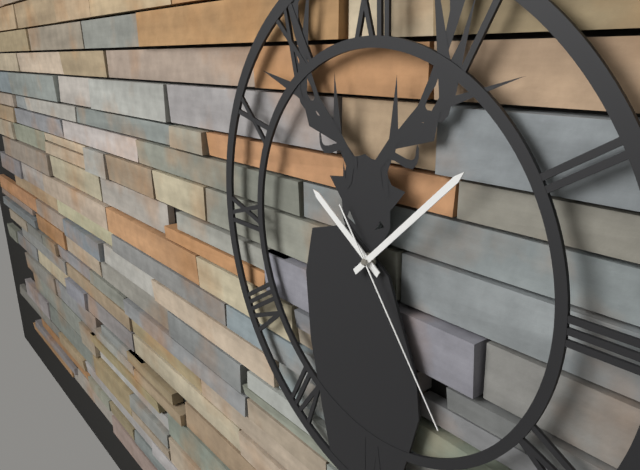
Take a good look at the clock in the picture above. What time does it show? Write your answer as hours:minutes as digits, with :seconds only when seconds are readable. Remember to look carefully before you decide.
10:08:24
